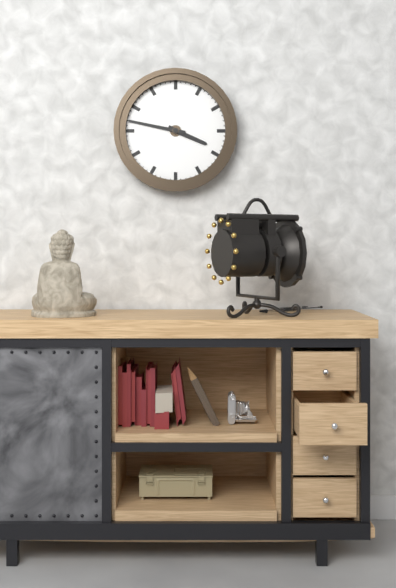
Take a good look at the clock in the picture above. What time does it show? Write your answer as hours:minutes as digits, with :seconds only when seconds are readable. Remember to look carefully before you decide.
3:47
